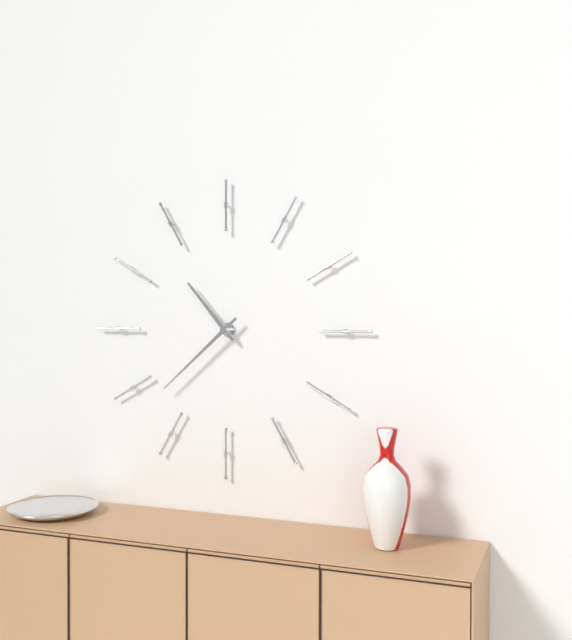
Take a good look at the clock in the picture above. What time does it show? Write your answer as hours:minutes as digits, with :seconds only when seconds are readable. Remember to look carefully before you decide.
10:38
